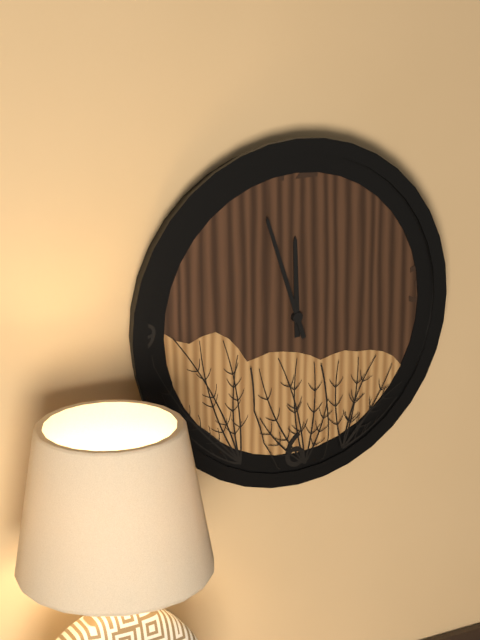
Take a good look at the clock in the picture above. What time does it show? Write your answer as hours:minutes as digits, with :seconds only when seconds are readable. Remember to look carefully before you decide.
11:57
